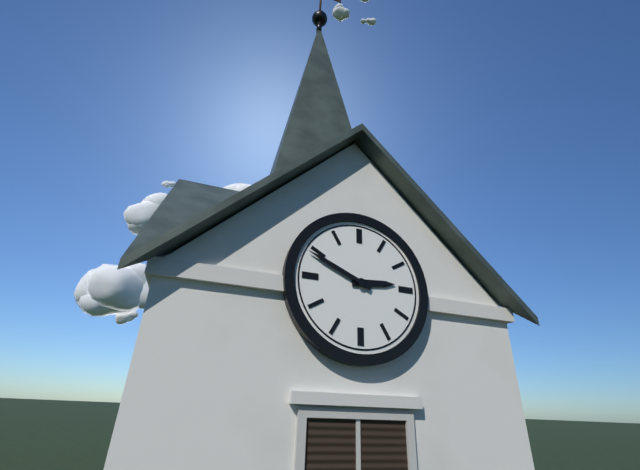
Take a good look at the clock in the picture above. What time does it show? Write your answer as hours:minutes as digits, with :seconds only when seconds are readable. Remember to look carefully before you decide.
2:49
